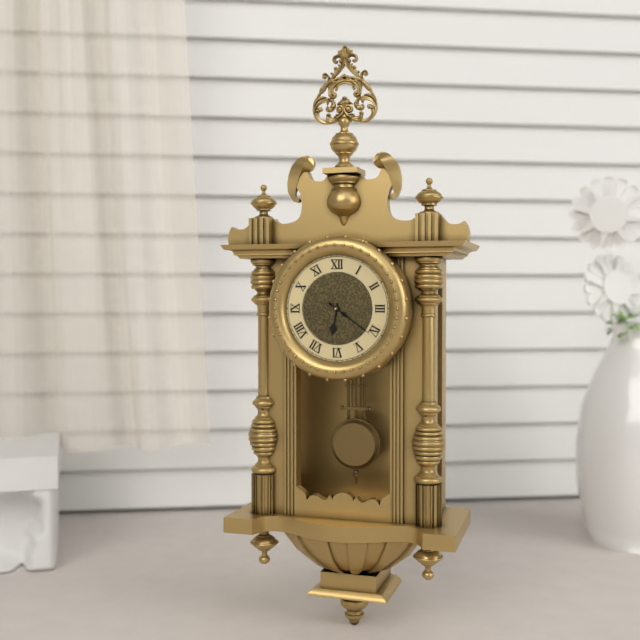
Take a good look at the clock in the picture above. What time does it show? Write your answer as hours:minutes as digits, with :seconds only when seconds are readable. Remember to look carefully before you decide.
6:21
